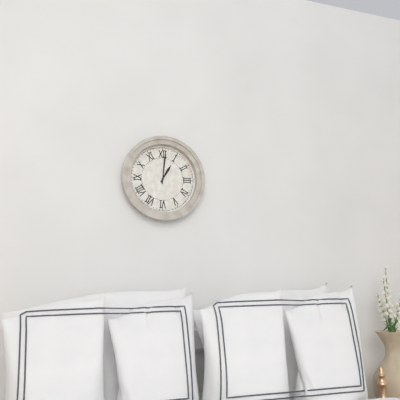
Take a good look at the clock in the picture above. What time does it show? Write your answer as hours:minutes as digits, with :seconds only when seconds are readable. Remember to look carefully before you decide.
1:01
